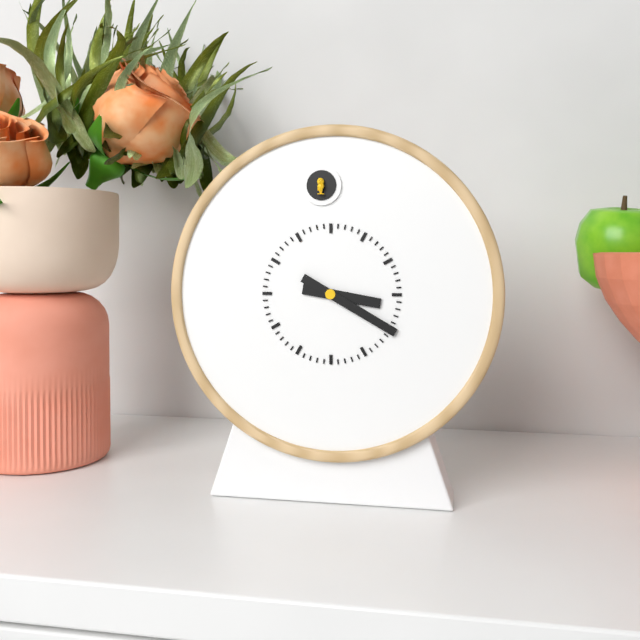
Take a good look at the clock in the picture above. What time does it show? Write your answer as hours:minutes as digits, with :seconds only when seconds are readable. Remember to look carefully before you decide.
3:20
